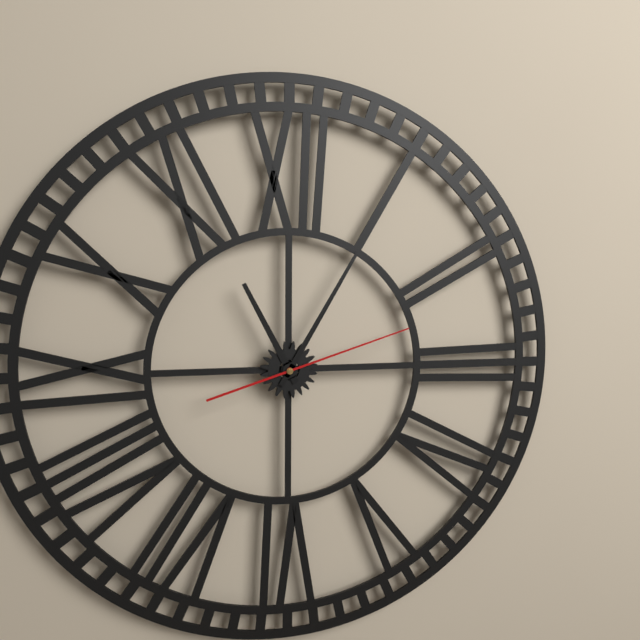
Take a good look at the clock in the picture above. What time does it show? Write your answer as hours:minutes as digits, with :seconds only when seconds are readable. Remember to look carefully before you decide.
11:05:12
